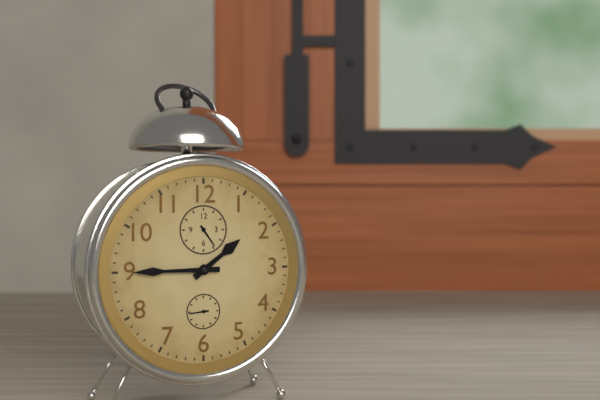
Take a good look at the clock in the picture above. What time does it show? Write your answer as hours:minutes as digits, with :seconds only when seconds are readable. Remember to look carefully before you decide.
1:45
